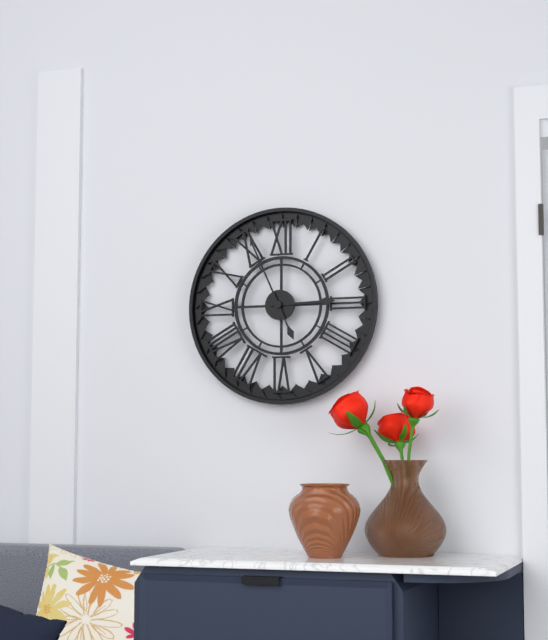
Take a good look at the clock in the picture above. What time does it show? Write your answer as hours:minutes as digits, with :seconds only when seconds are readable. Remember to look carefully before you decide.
2:56
